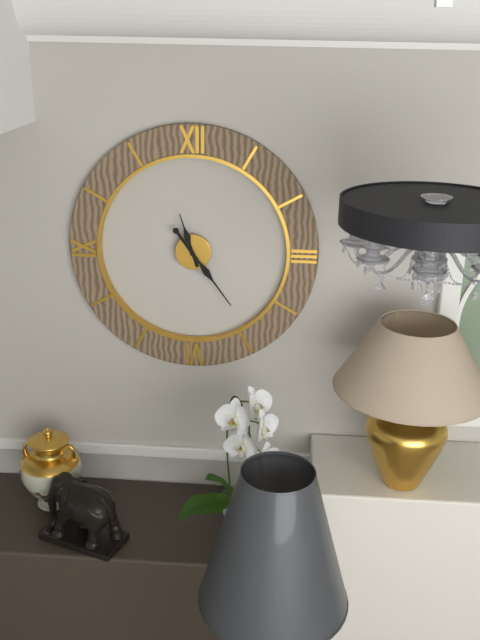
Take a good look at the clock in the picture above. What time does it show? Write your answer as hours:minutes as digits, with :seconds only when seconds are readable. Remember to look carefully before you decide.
11:24
